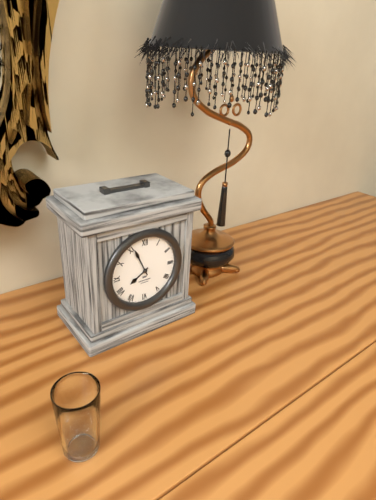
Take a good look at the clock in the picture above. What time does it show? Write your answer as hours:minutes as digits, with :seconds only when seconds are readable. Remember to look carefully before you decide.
7:56
